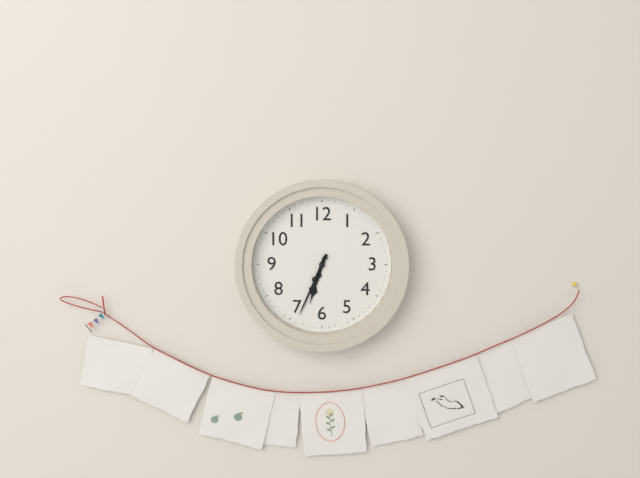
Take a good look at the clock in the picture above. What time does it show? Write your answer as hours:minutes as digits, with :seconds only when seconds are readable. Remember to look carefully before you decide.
6:34
